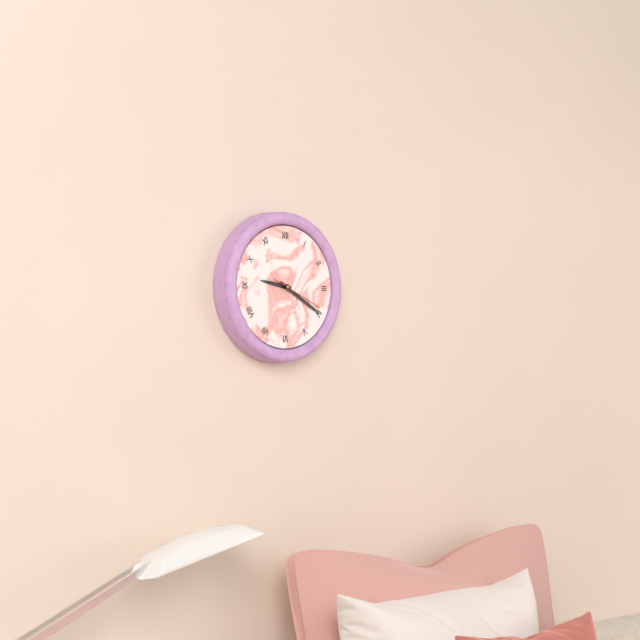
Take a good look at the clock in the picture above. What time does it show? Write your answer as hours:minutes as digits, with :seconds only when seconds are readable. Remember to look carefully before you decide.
9:20
